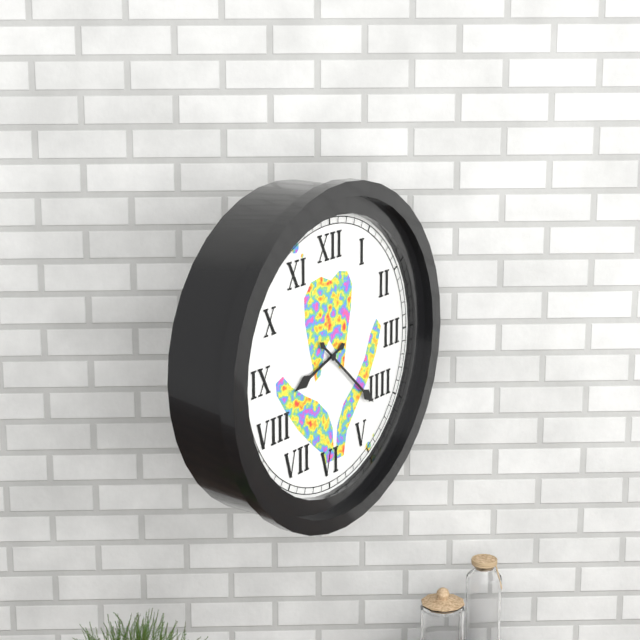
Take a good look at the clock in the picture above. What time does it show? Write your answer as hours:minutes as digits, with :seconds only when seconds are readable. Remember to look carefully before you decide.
8:22
